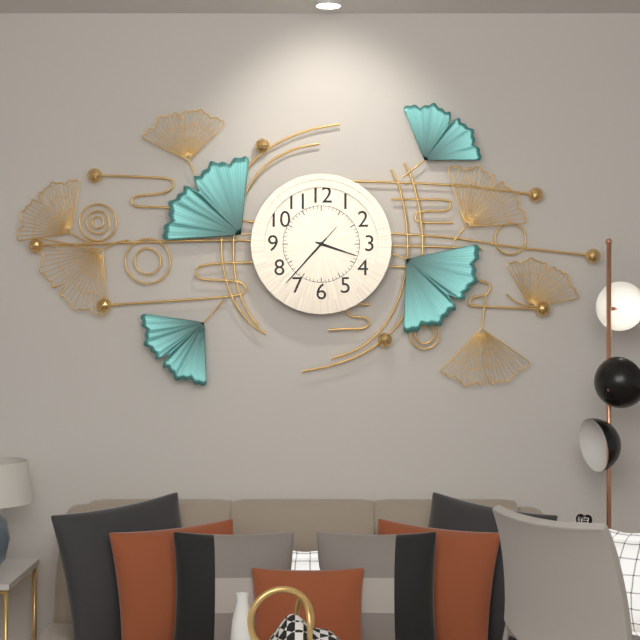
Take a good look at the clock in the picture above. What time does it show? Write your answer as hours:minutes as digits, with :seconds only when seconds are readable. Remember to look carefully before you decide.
3:37
